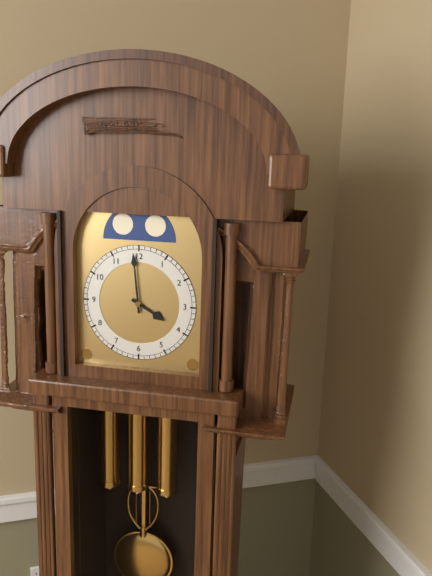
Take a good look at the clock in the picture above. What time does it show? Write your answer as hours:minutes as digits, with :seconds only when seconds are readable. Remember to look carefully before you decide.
3:59
